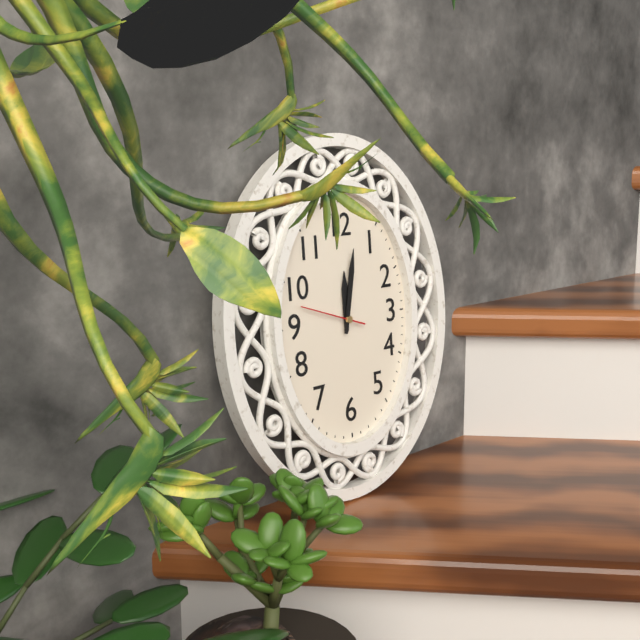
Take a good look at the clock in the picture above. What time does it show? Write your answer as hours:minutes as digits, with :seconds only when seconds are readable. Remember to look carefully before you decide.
12:02:48
